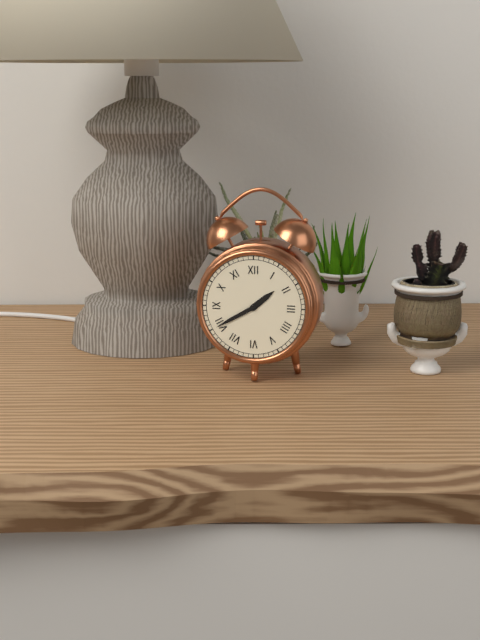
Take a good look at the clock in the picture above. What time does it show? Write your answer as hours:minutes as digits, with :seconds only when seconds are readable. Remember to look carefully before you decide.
1:40
